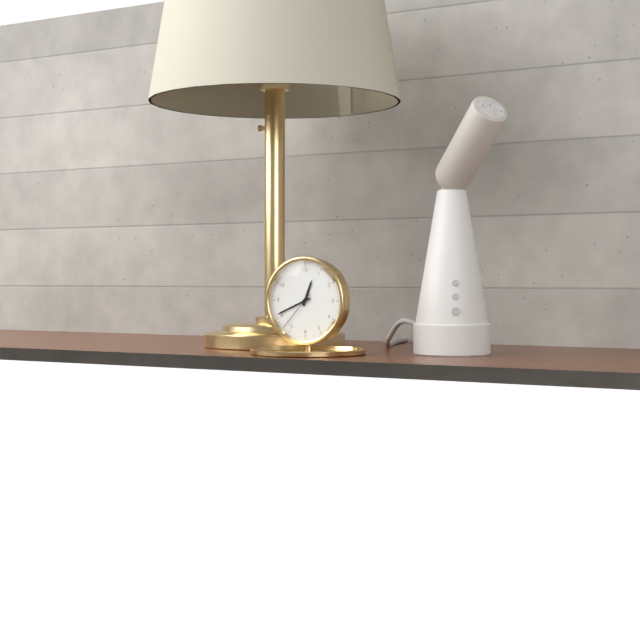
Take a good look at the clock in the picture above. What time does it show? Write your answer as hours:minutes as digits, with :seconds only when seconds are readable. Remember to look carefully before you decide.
12:41
